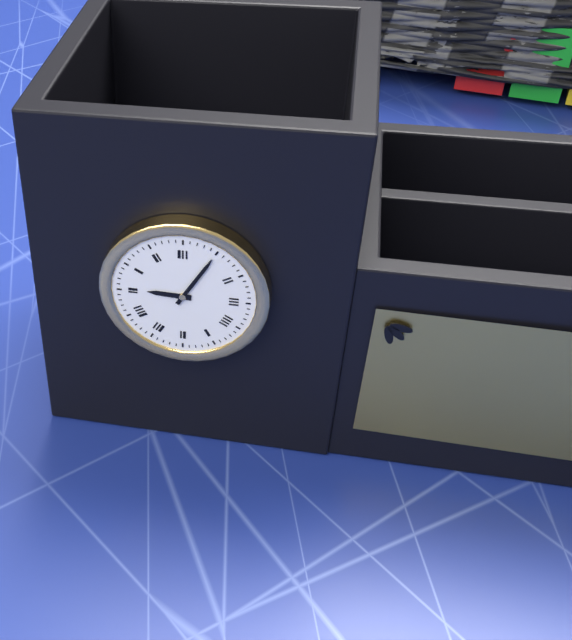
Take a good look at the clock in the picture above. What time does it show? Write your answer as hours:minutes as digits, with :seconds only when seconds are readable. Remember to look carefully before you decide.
9:05
